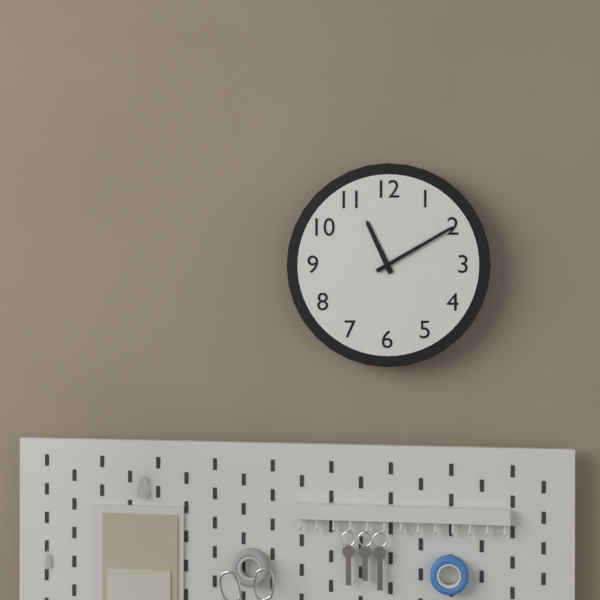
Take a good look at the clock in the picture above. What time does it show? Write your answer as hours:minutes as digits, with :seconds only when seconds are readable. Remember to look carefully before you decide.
11:10
